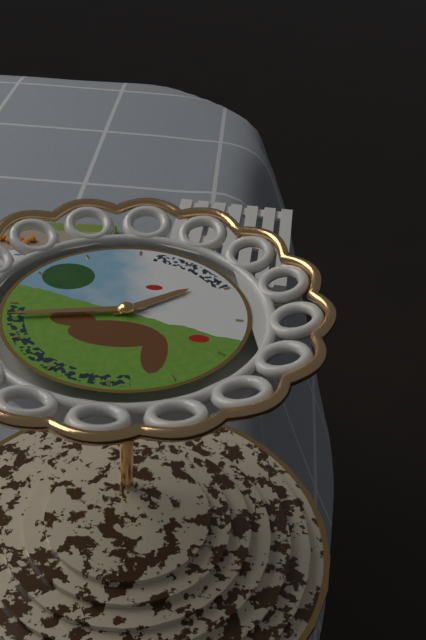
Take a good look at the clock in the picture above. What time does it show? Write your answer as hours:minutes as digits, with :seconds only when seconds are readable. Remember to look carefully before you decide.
1:43
